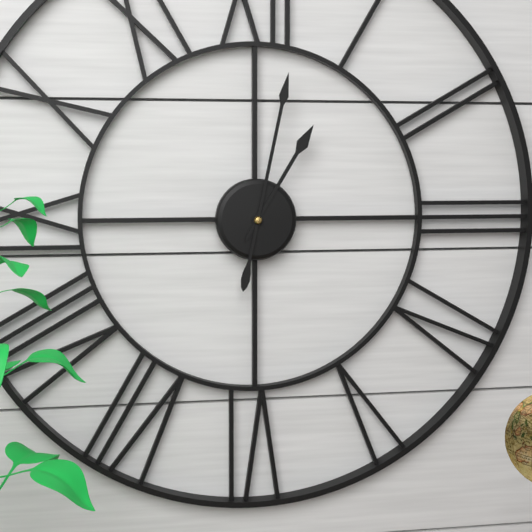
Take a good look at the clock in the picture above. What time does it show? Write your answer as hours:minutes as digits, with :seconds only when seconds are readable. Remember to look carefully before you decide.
1:02
